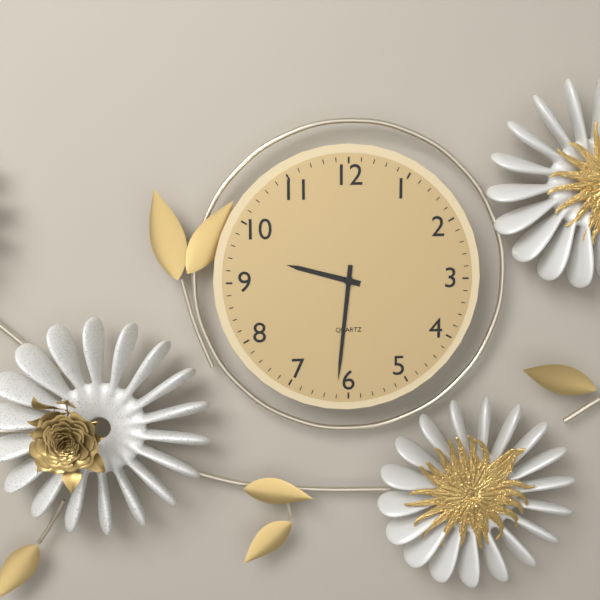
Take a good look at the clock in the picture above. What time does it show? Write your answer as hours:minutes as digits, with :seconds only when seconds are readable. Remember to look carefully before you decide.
9:31
